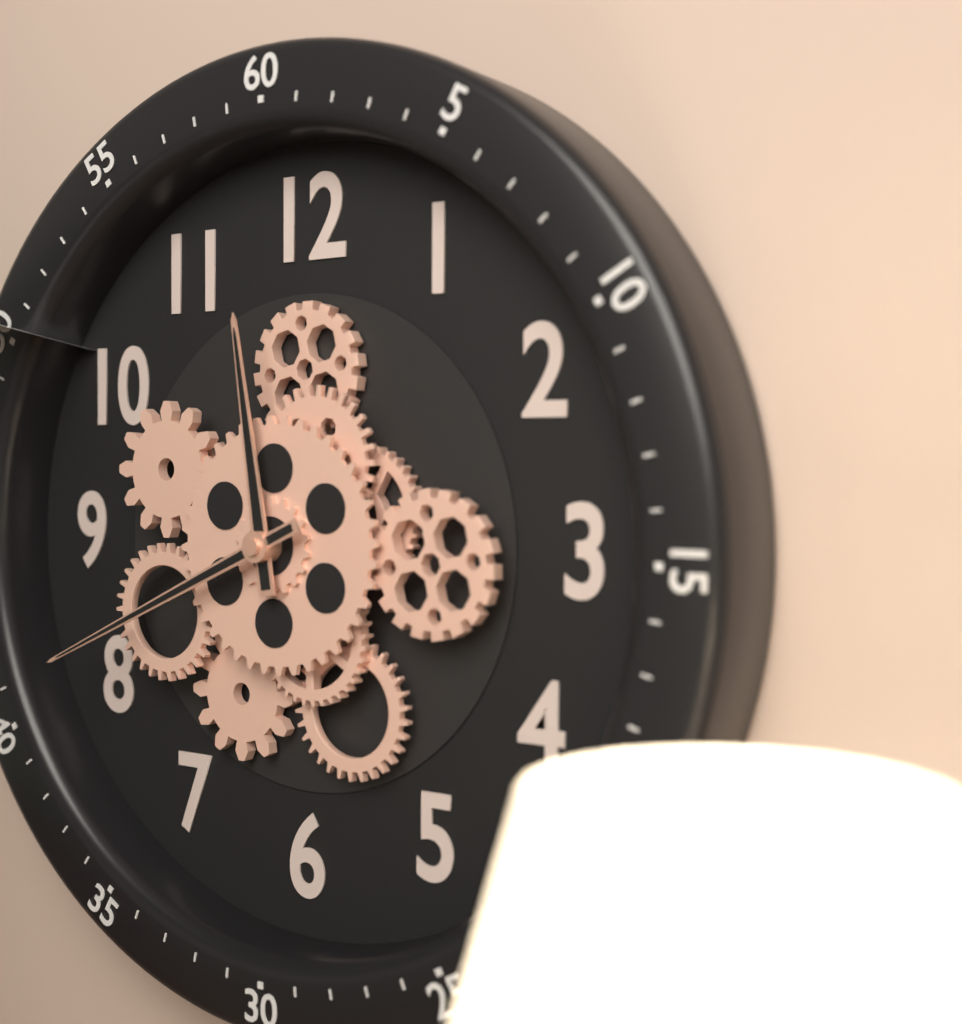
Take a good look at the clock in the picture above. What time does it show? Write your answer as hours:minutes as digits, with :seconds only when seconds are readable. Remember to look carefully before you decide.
11:41
